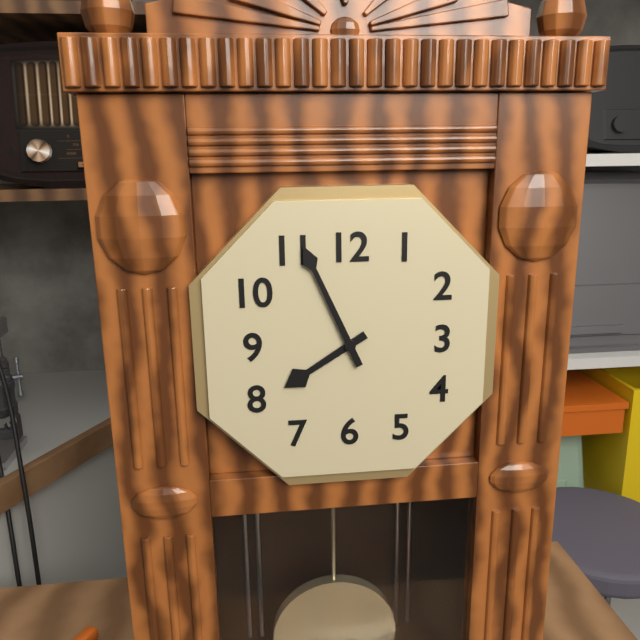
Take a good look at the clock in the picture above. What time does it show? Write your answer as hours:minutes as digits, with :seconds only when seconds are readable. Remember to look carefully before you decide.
7:56
